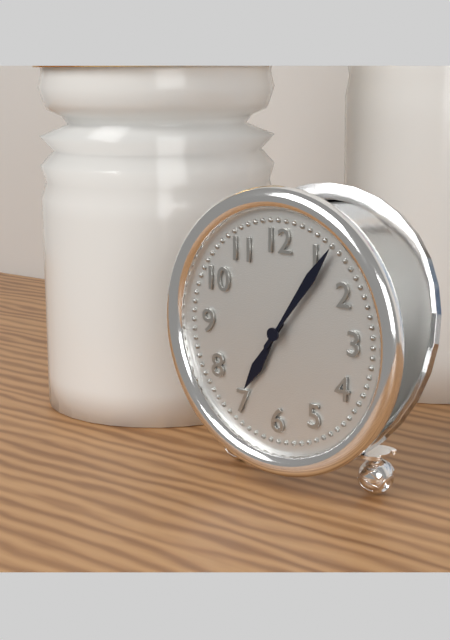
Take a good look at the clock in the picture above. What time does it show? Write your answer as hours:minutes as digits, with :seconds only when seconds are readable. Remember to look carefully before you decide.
7:06
